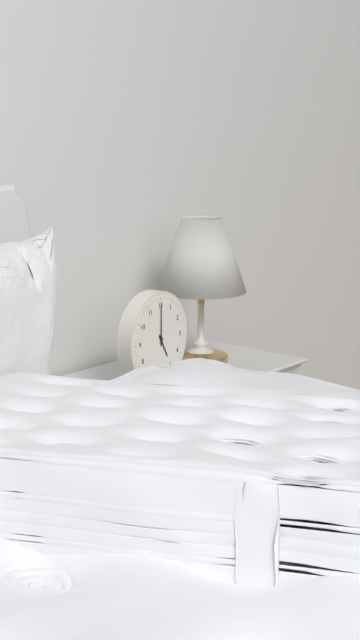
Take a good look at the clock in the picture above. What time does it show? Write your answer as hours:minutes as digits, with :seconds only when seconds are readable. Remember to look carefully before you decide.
5:00
